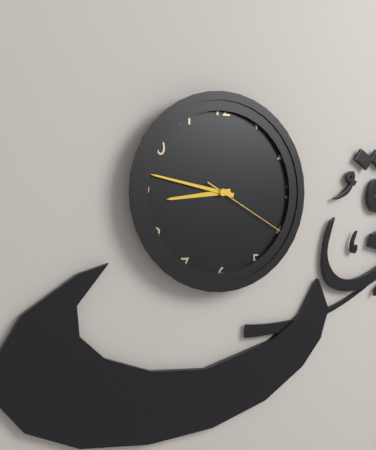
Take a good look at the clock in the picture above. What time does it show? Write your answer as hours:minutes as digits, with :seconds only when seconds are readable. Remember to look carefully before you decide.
8:47:20
